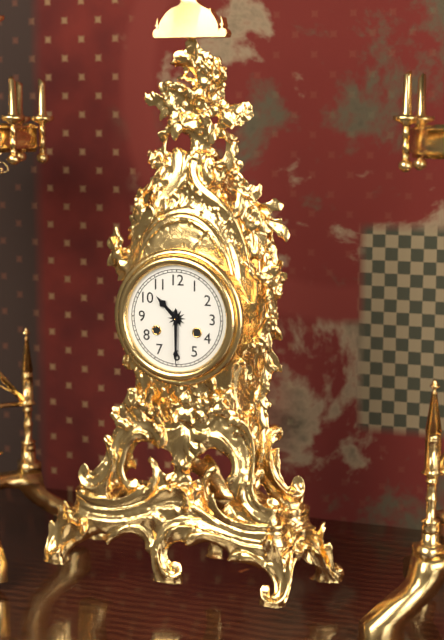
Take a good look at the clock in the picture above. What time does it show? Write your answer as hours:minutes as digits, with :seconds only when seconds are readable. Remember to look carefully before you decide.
10:30
